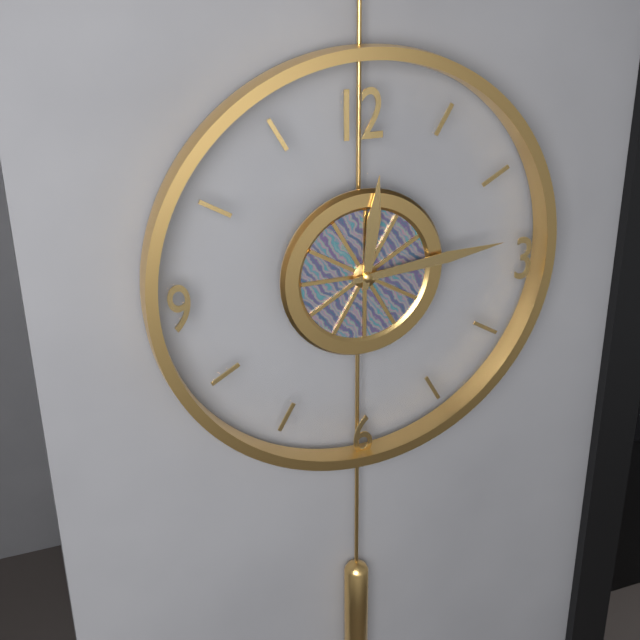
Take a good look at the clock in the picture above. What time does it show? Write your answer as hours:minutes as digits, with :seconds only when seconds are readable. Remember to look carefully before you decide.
12:14
